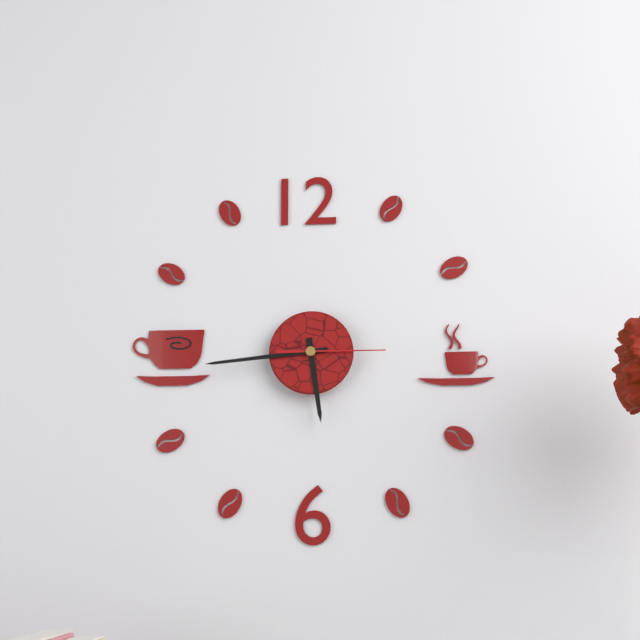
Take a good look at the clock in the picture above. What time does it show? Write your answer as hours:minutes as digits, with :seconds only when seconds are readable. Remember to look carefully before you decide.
5:44:15
